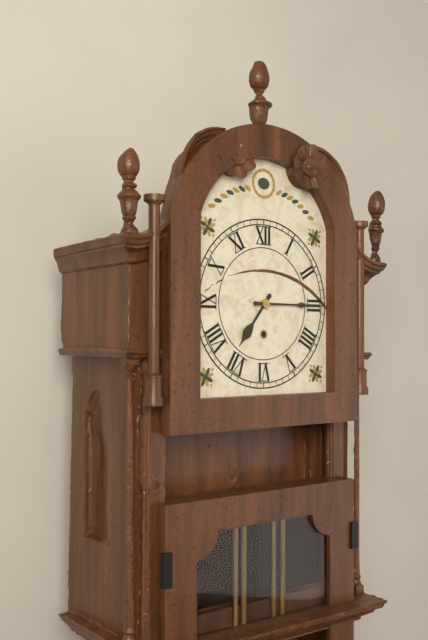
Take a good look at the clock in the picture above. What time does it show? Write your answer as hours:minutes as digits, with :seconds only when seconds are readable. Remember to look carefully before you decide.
7:15
